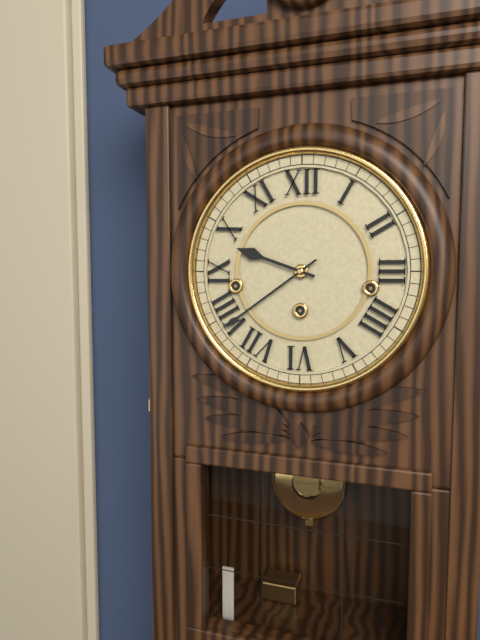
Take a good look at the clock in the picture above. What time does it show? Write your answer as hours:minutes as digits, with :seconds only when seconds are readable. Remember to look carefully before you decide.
9:39
